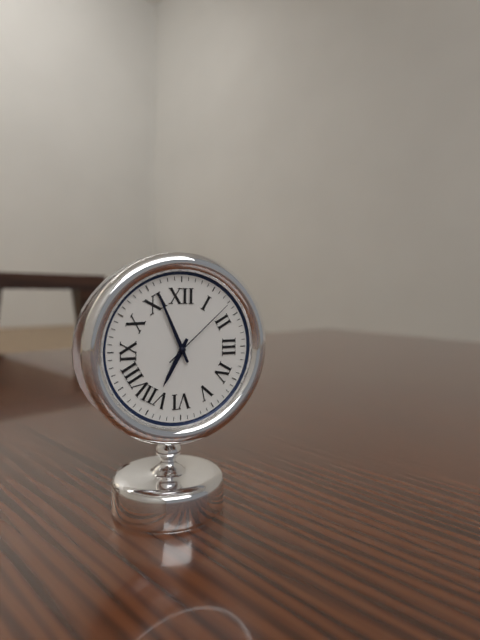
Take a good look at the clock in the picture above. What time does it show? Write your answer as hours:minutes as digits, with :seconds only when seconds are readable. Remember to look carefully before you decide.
6:56:08
